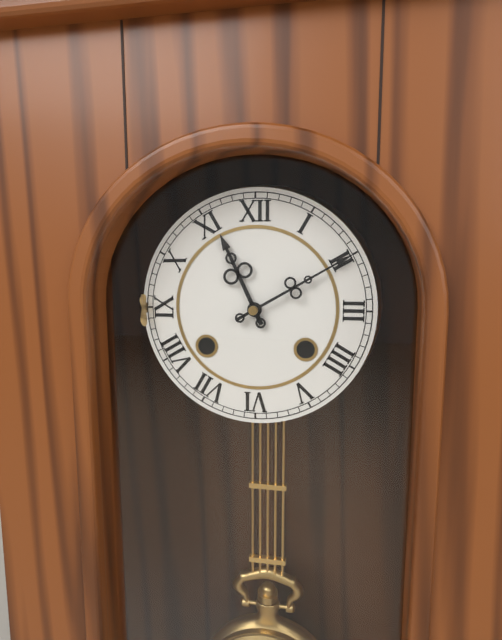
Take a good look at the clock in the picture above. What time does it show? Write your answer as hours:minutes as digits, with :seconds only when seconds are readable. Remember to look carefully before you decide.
11:10
